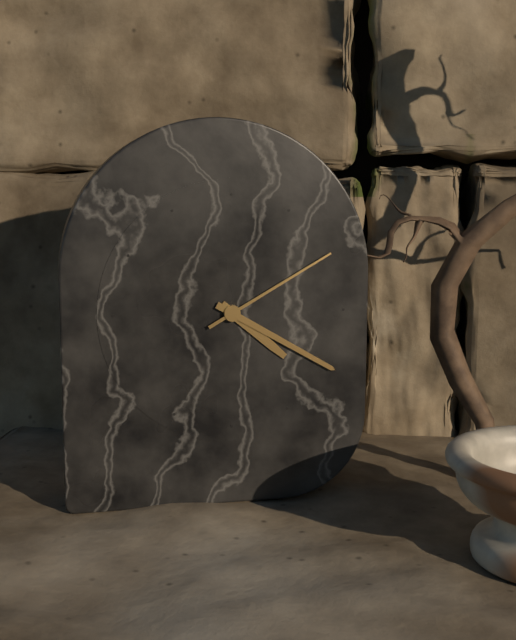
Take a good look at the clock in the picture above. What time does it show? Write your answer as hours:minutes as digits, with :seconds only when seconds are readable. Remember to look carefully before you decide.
4:20:10
